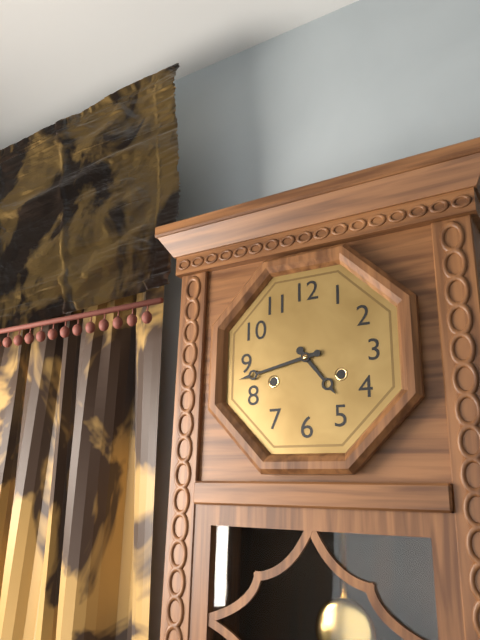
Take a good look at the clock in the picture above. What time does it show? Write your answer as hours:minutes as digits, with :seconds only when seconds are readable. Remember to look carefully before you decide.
4:43
